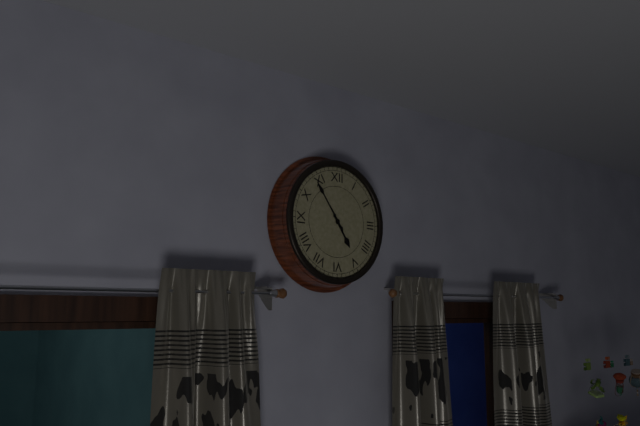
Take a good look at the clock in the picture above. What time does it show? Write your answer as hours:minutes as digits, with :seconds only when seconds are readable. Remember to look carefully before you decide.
4:54
